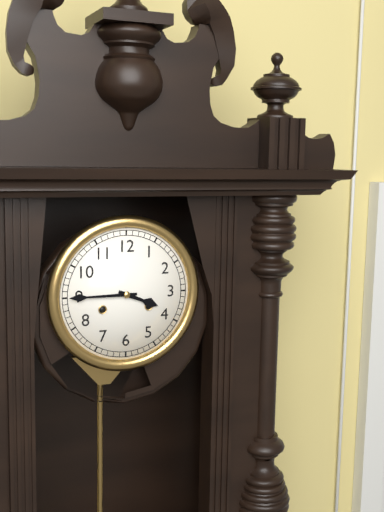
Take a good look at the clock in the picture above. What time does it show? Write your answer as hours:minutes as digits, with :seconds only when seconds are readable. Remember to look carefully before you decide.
3:45
